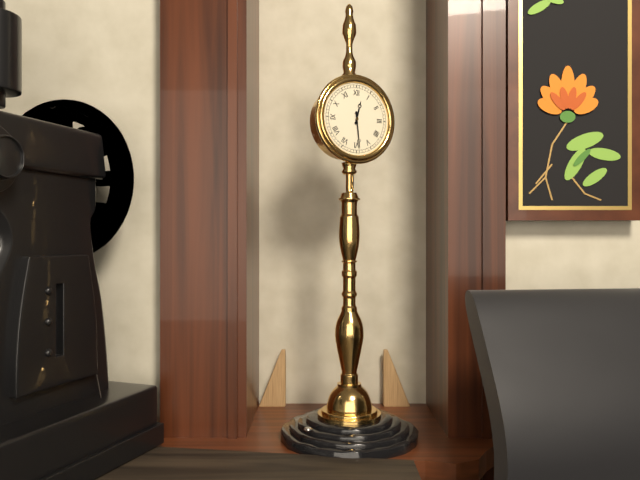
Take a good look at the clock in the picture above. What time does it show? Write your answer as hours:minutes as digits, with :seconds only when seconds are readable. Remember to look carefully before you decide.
12:29
